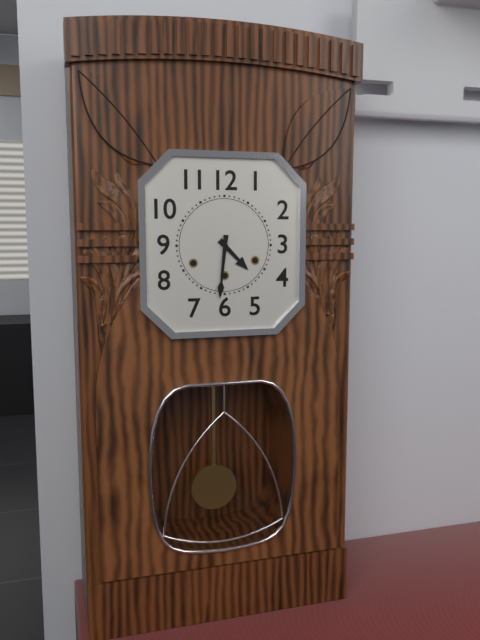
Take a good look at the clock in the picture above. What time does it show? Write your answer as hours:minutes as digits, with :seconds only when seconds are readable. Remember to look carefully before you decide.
4:31
